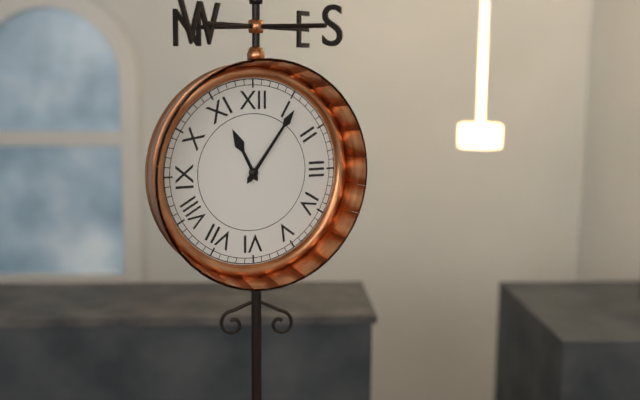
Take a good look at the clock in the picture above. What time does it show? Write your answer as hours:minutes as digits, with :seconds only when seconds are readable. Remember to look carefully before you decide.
11:06
